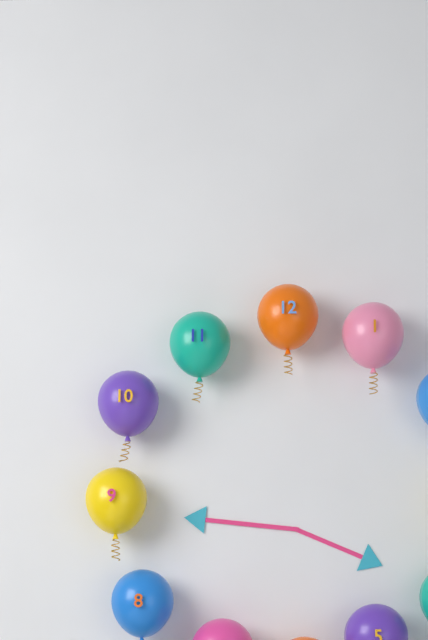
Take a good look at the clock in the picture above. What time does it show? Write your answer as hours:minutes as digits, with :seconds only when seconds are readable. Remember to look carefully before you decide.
3:46
